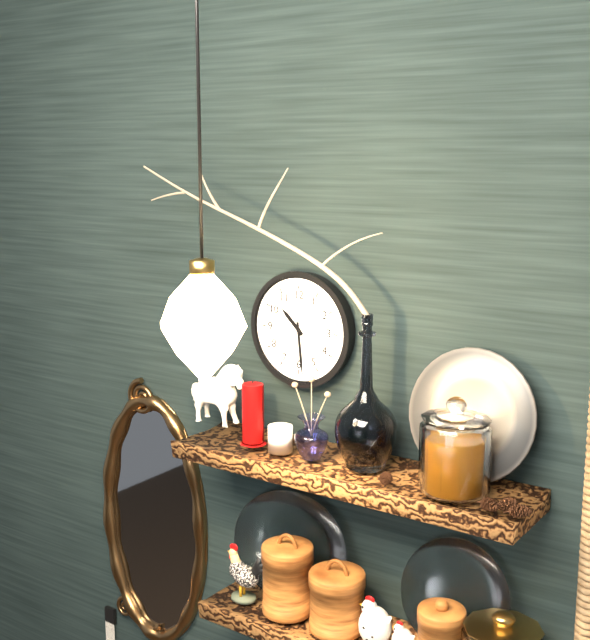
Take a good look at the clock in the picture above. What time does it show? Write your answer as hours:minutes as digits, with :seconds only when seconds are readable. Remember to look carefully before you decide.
10:29
